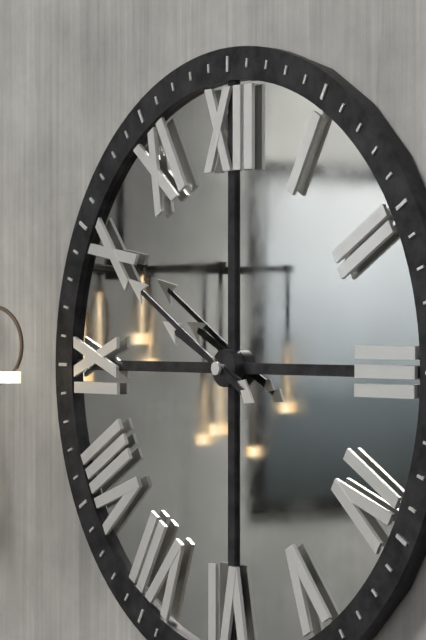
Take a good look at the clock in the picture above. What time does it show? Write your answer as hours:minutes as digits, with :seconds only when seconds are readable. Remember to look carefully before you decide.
9:50
